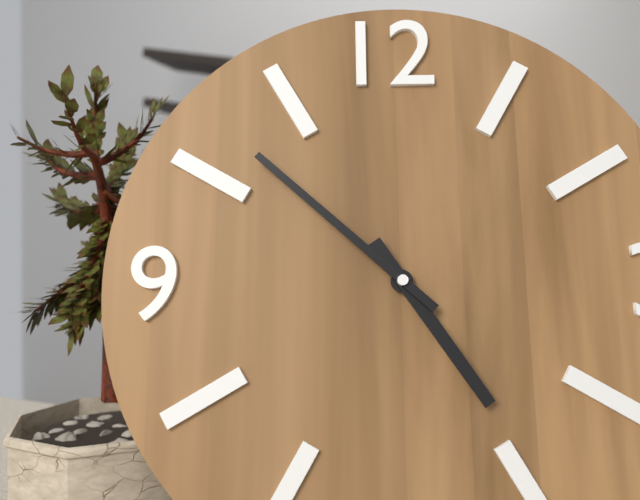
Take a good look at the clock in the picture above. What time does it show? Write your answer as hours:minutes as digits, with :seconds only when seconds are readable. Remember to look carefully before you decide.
4:52
